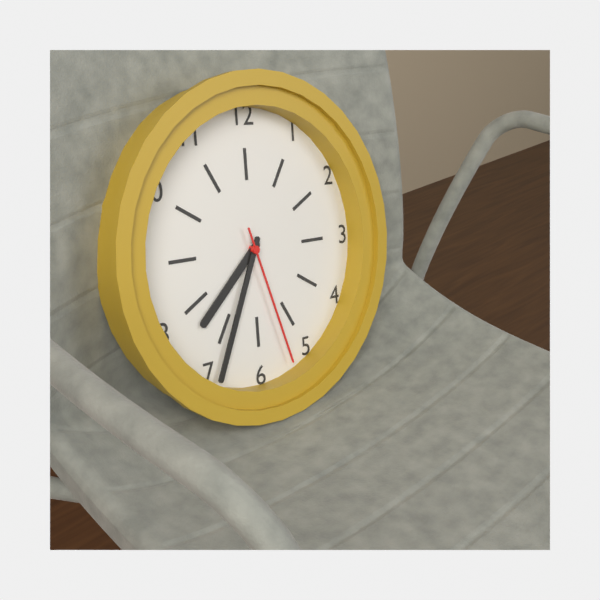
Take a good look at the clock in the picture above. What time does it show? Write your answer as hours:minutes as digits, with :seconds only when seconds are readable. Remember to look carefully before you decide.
7:34:27
